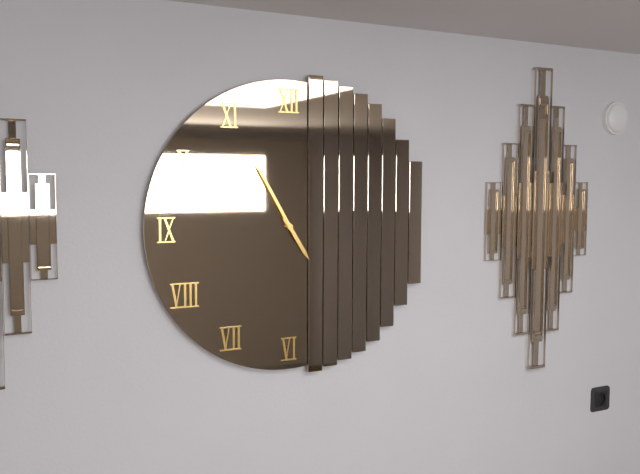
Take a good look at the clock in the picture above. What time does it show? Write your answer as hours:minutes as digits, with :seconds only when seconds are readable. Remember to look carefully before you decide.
4:55
